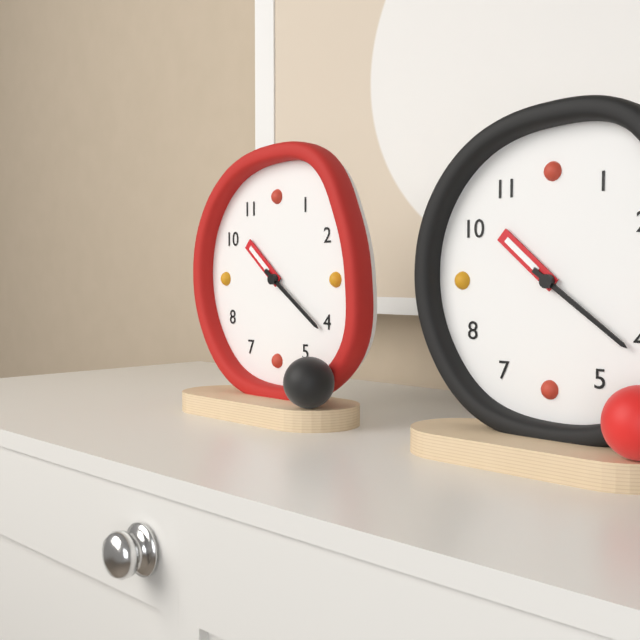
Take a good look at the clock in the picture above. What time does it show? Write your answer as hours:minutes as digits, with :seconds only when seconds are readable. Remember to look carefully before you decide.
10:21
